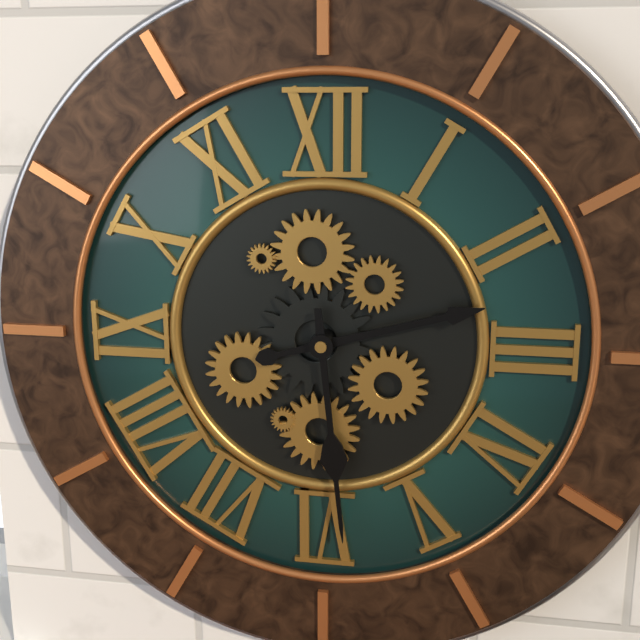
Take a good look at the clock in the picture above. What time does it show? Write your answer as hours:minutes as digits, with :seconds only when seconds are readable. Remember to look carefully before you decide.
2:29
